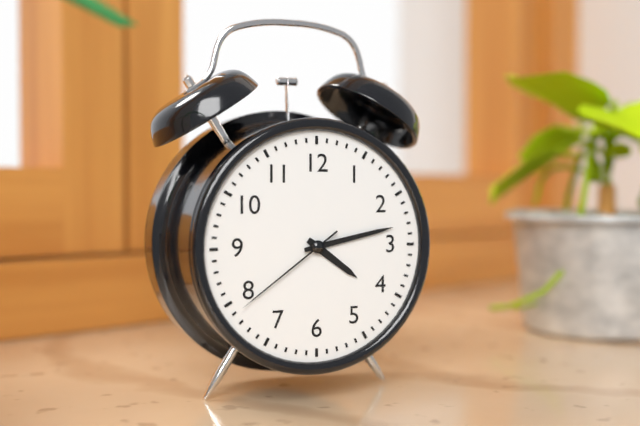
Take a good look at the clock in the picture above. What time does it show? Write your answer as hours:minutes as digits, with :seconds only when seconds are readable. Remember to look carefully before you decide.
4:13:39
